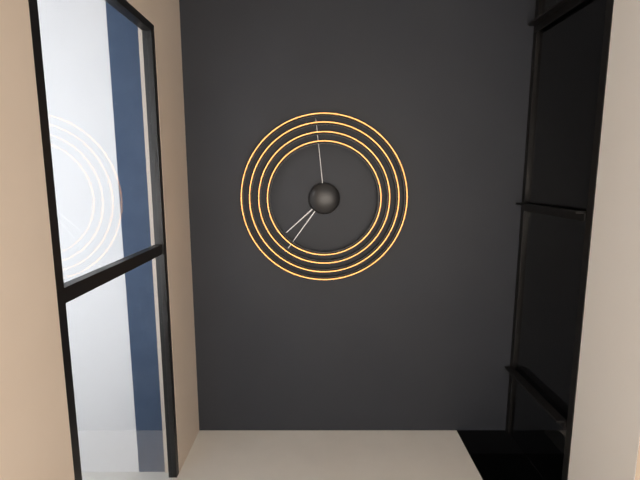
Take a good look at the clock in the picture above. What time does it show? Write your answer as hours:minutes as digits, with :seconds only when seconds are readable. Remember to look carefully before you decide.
7:36:59
